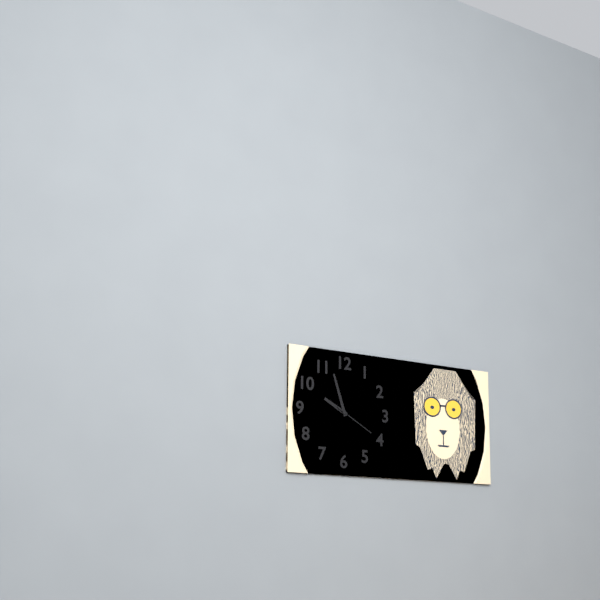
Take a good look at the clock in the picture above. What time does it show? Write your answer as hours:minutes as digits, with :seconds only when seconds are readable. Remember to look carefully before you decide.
9:57
